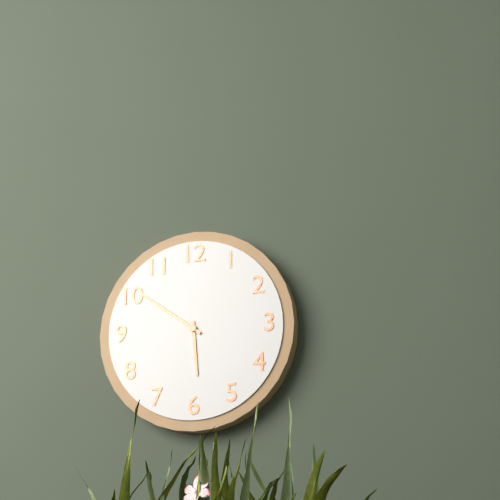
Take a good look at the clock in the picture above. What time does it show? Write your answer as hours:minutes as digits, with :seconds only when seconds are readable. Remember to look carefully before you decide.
5:51
